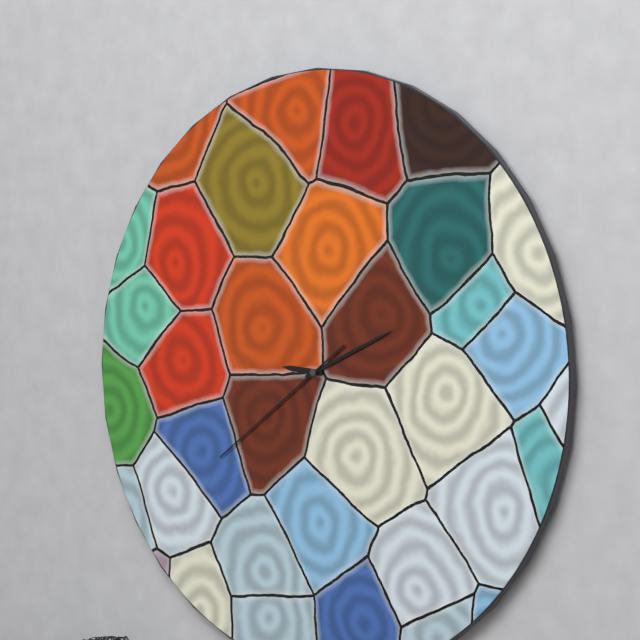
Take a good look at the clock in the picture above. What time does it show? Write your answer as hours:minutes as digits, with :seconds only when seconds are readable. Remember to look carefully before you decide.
9:11:39
